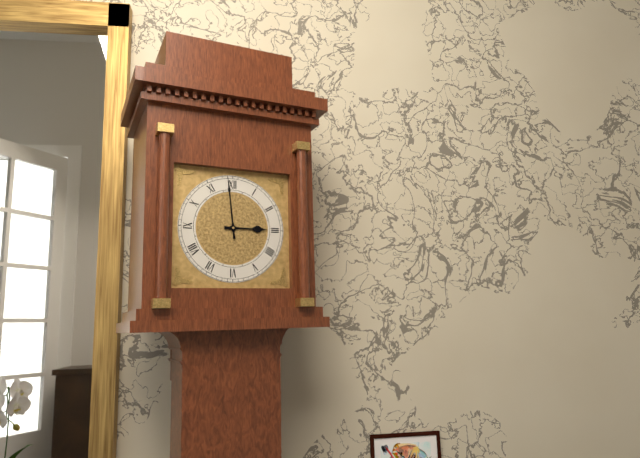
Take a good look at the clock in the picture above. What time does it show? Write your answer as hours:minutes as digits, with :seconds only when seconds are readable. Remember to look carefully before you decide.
2:59
